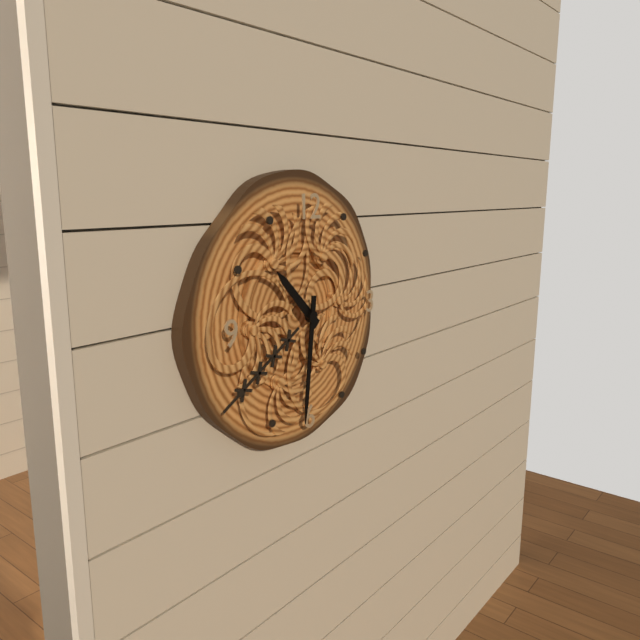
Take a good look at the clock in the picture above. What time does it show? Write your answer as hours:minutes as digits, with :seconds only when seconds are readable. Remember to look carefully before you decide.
10:31
